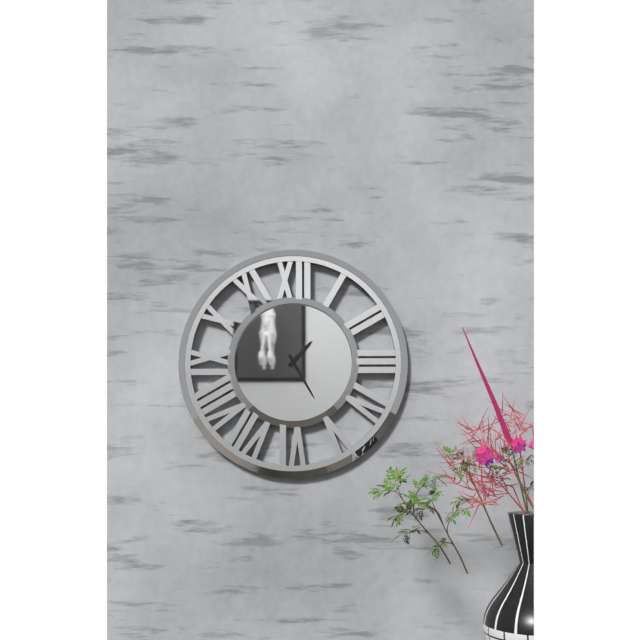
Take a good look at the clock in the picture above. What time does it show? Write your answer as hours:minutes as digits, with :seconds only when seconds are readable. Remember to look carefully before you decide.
1:25
